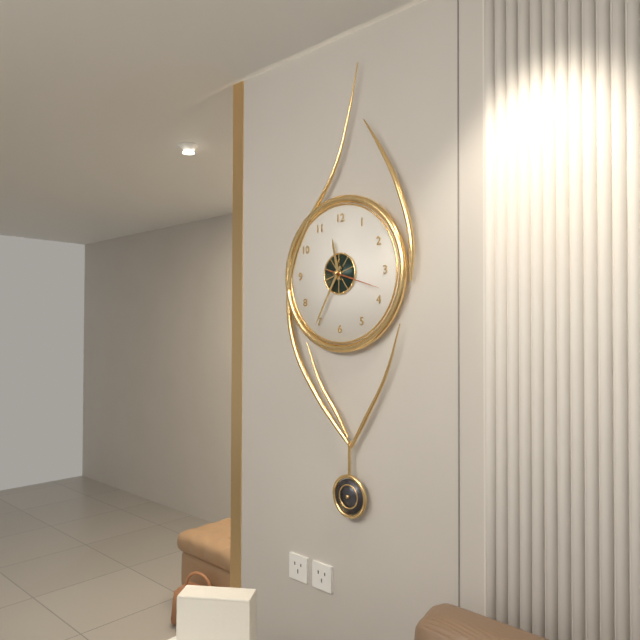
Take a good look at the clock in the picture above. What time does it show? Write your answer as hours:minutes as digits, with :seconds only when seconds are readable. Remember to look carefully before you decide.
11:35:18
